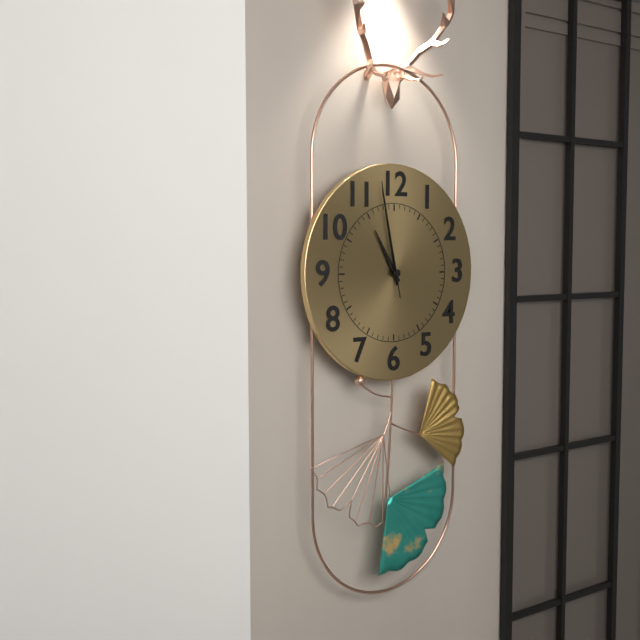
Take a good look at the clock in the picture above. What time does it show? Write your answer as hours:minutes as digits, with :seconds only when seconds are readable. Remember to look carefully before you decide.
10:58:58
